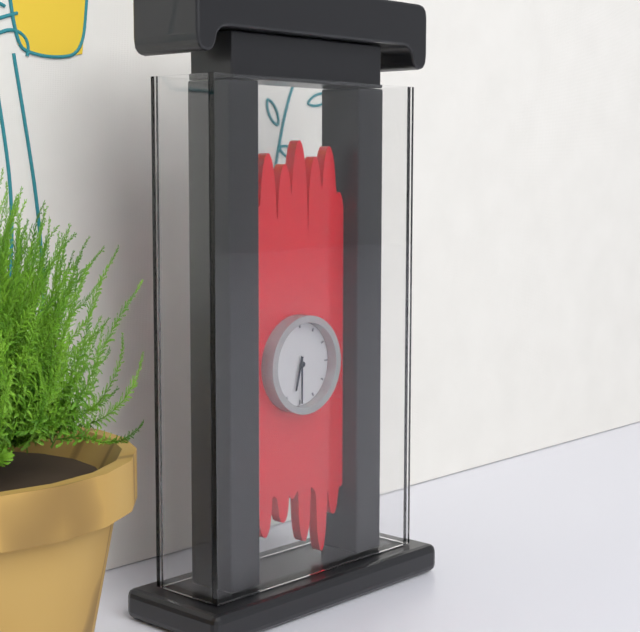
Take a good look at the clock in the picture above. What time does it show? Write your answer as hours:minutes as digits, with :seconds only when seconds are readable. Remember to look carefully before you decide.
6:30
